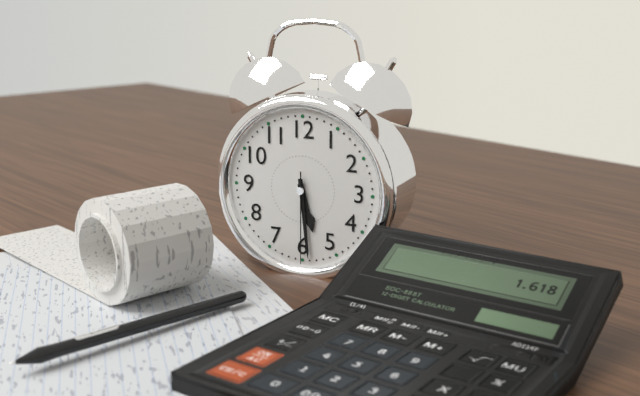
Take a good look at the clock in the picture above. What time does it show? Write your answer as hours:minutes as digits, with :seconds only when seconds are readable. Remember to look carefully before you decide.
5:29:30
